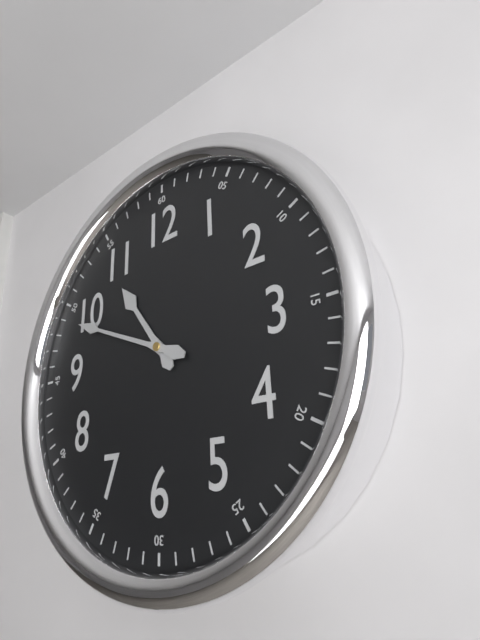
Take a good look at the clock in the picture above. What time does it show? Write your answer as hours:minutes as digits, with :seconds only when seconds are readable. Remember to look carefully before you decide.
10:49
